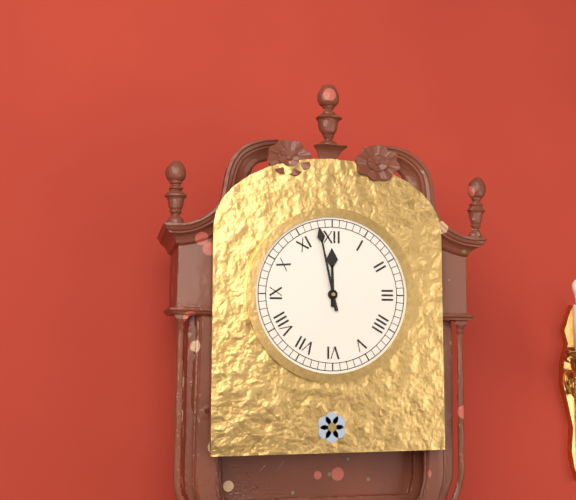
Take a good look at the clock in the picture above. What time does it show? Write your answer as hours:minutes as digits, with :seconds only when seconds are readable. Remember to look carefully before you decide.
11:58
